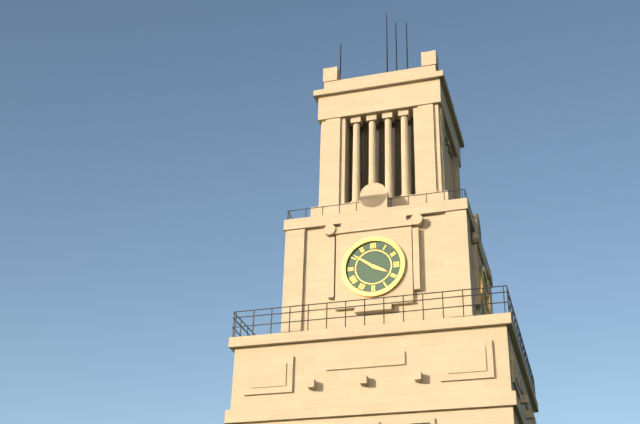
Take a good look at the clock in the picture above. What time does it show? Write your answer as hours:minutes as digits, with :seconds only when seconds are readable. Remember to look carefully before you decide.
3:51
